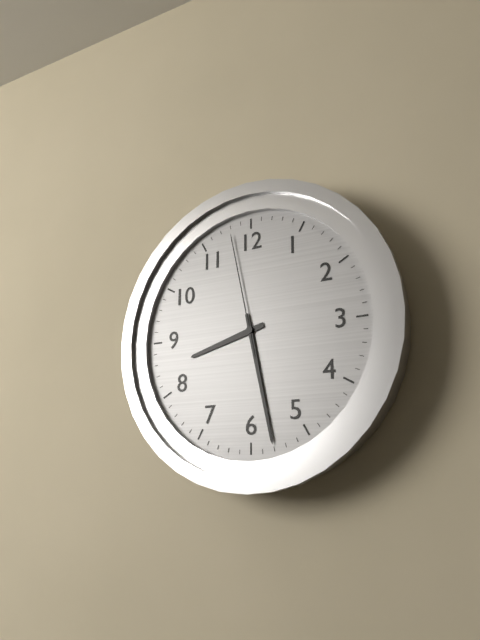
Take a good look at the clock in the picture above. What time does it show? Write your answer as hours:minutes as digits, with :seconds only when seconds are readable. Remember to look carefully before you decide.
8:28:58
